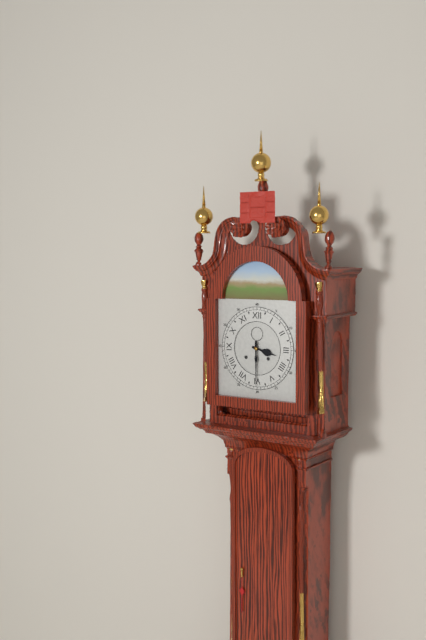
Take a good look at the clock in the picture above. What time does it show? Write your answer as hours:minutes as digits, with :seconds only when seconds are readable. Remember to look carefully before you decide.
3:30
